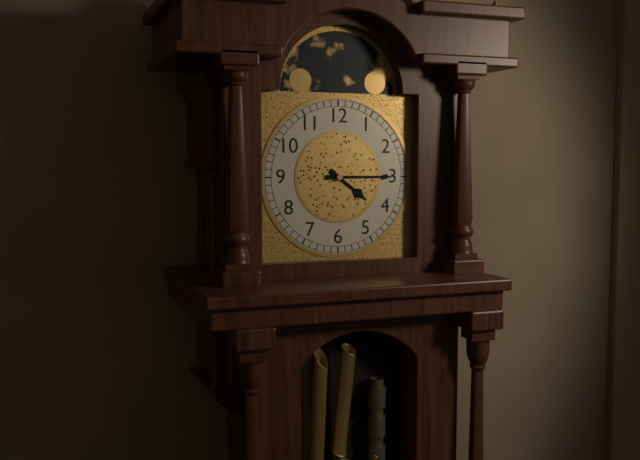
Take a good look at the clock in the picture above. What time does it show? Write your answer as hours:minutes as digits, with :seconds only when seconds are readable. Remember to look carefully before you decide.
4:15
